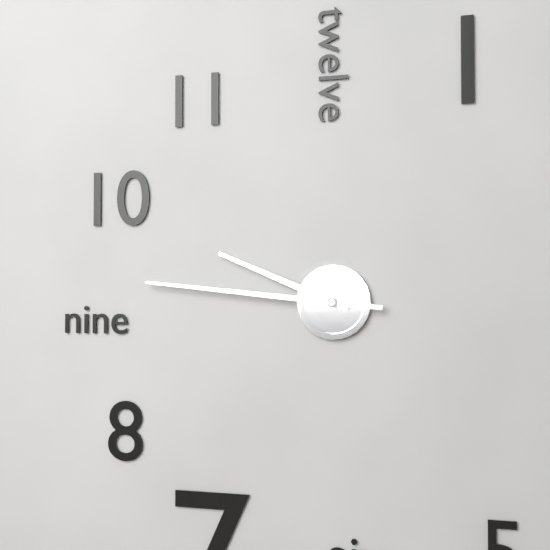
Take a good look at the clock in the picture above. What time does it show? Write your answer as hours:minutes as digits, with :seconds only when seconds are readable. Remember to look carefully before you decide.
9:46
